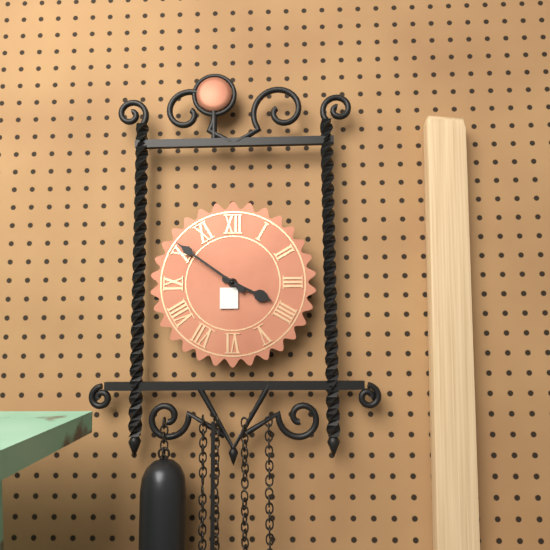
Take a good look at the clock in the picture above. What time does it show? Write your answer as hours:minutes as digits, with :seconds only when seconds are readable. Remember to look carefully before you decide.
3:51
